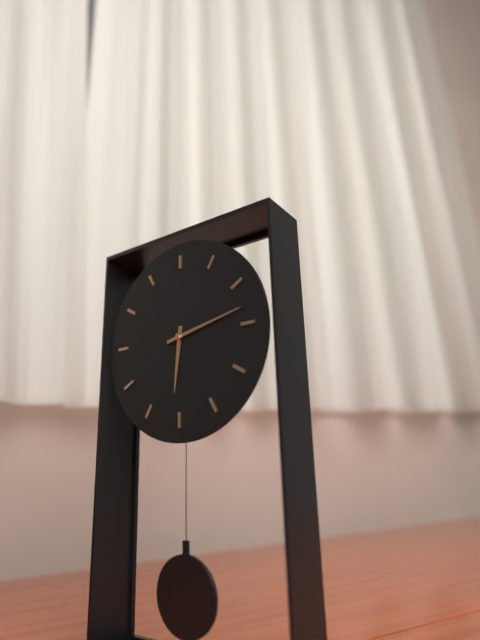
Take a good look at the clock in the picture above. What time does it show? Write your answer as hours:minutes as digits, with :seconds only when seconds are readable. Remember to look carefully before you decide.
6:13
